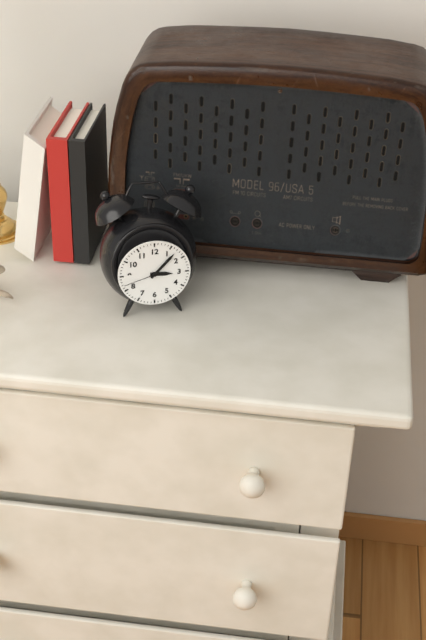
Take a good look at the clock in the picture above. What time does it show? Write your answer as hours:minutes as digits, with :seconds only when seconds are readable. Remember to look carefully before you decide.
3:07
